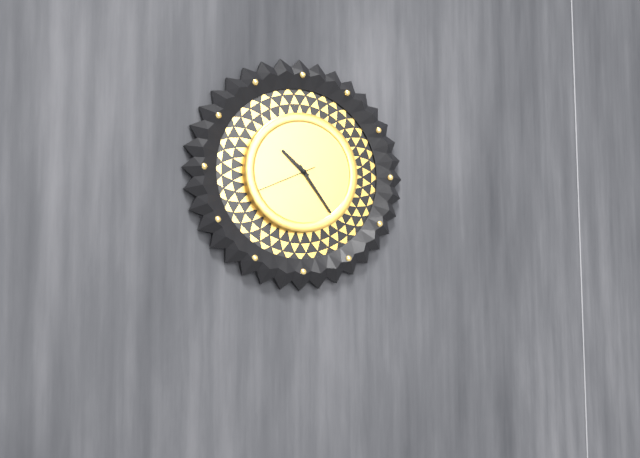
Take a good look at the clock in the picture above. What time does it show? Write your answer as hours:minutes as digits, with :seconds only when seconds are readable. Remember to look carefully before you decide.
10:24:41
